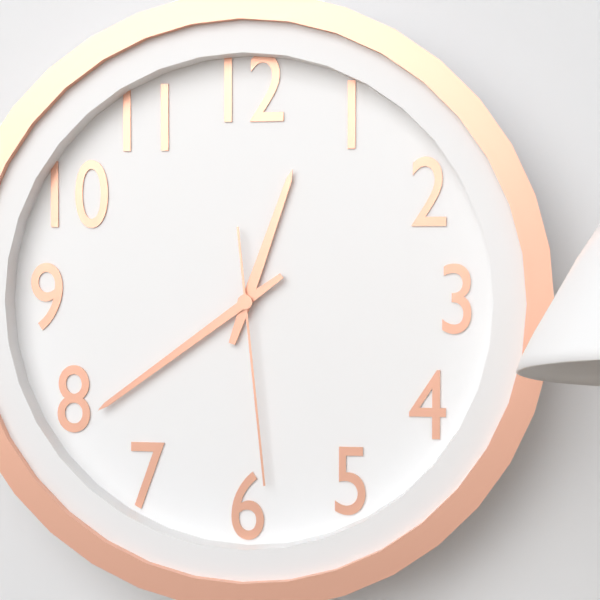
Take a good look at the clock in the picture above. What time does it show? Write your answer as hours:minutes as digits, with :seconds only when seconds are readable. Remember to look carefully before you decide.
12:39:29
